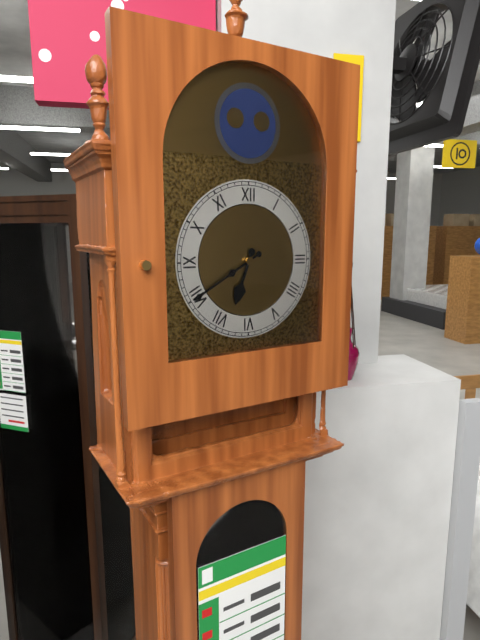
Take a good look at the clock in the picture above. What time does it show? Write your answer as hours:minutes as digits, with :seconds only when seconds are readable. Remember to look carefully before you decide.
6:40
